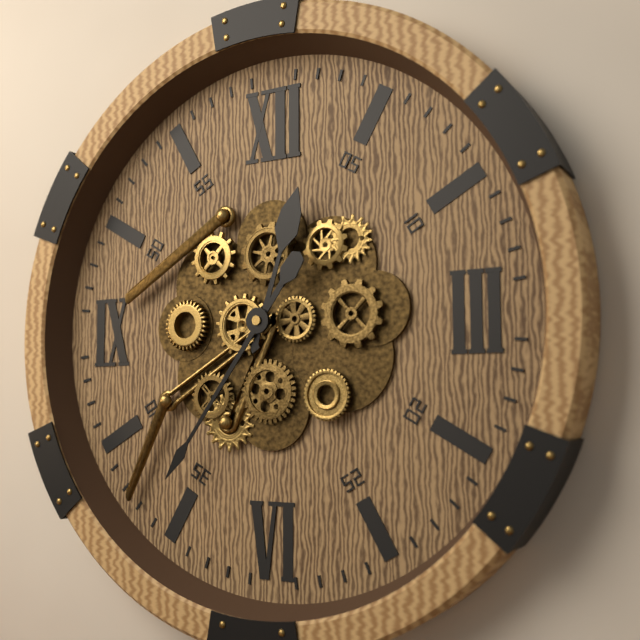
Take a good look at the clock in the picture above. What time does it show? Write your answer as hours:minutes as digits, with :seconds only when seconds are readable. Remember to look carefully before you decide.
12:36
